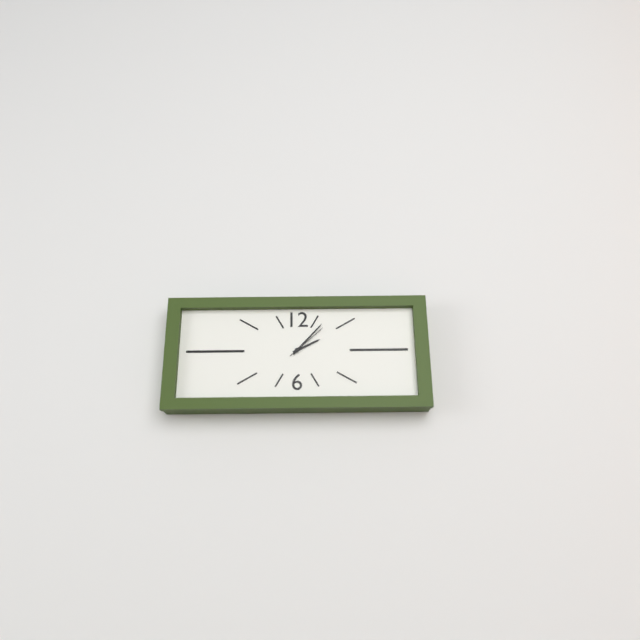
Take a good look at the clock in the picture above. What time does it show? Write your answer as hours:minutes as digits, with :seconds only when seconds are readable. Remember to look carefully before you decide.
2:07
